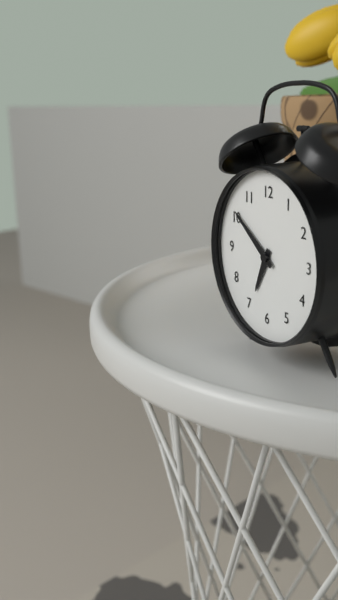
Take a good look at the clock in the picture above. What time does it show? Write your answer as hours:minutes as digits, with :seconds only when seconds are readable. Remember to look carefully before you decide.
6:51
